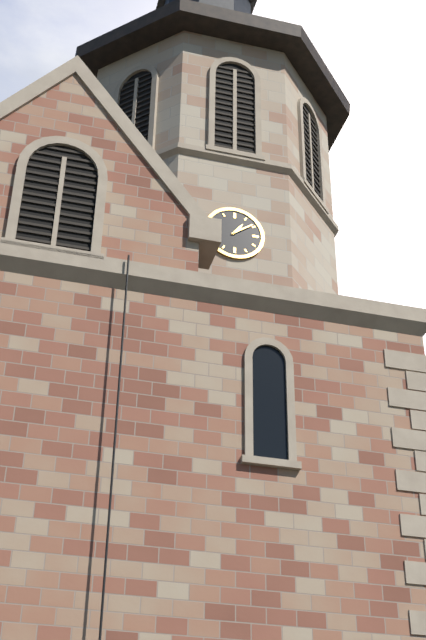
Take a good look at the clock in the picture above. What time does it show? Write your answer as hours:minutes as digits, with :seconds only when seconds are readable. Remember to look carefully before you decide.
1:09
